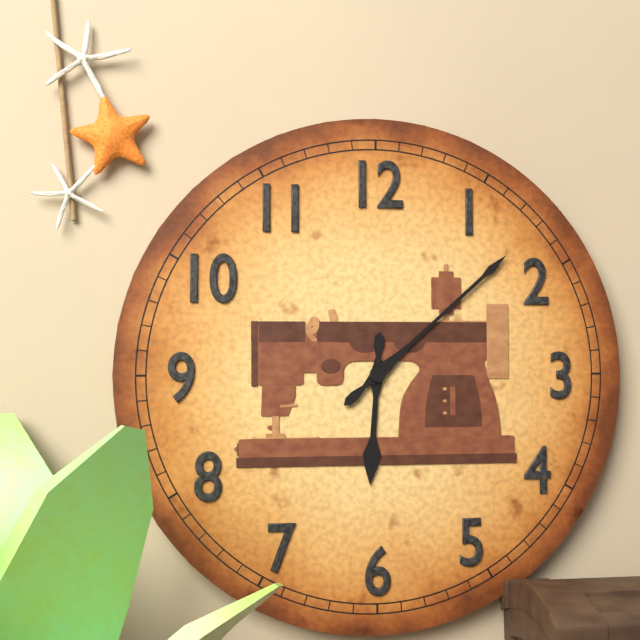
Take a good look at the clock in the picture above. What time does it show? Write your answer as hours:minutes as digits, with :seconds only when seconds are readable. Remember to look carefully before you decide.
6:08
